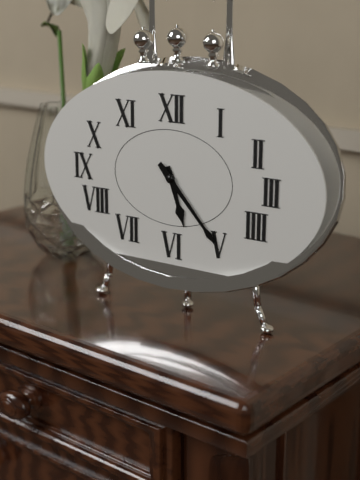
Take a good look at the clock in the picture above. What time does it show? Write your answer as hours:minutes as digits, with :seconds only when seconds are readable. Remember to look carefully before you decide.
5:23
